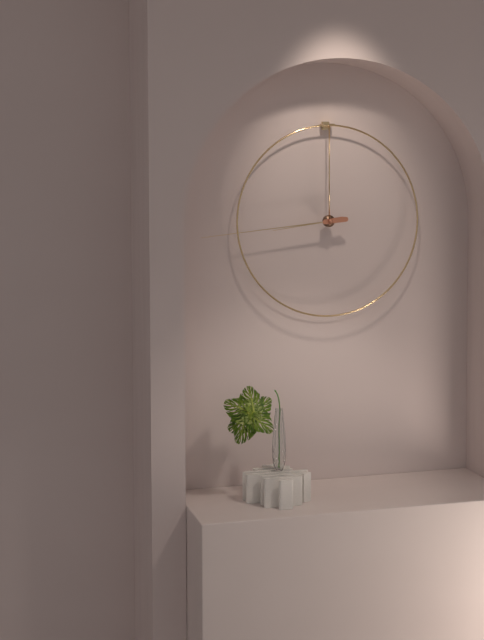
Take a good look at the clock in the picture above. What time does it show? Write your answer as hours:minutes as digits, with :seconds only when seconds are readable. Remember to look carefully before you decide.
8:44
